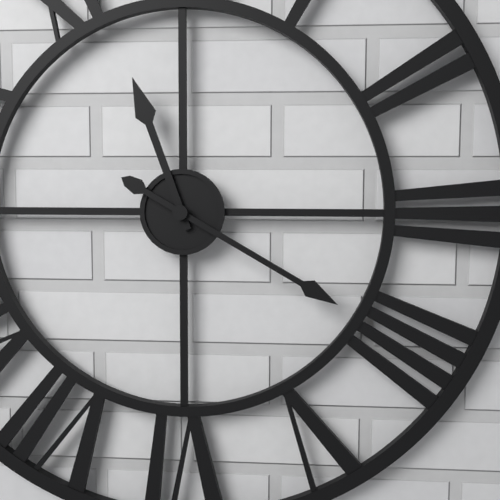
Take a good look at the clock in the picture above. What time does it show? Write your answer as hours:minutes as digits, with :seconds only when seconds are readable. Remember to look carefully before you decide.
11:20
